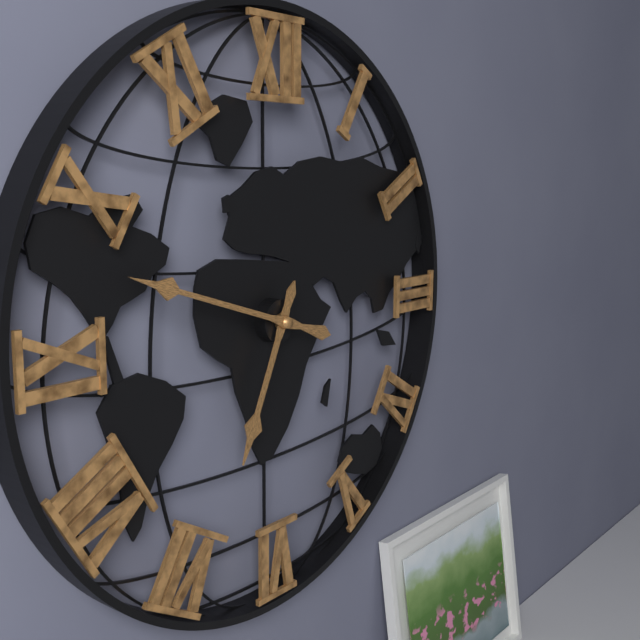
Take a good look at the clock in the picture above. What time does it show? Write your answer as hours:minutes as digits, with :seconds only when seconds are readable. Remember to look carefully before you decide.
6:48
